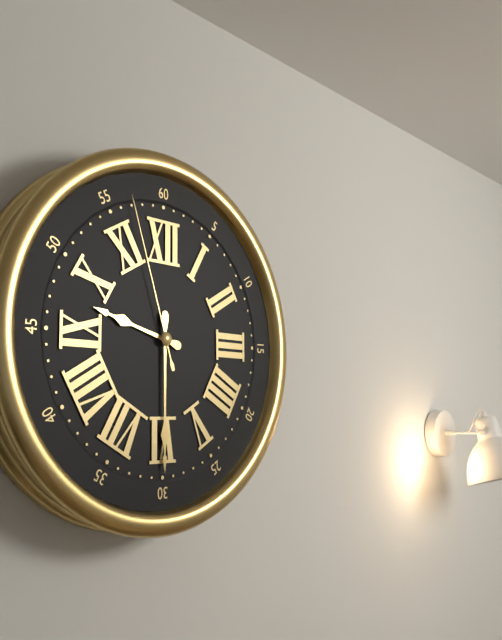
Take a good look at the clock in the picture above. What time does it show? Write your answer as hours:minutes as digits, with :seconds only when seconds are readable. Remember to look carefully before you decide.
9:30:57
